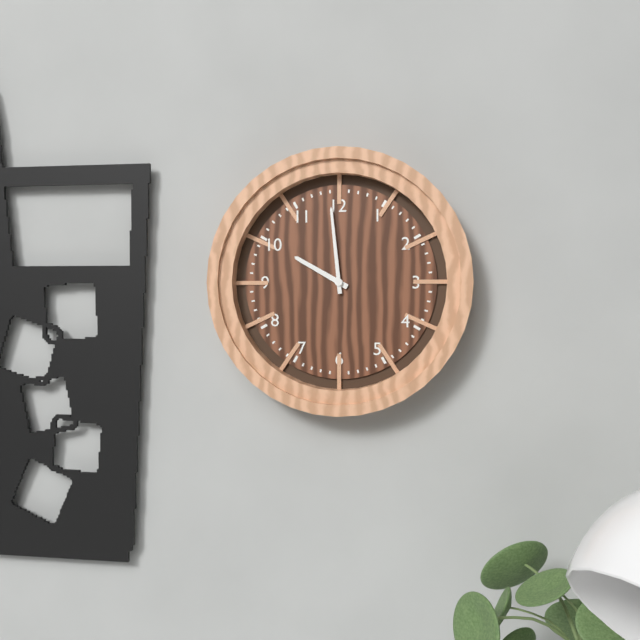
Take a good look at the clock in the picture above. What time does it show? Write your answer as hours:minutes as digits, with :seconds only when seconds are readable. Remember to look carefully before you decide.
9:59
